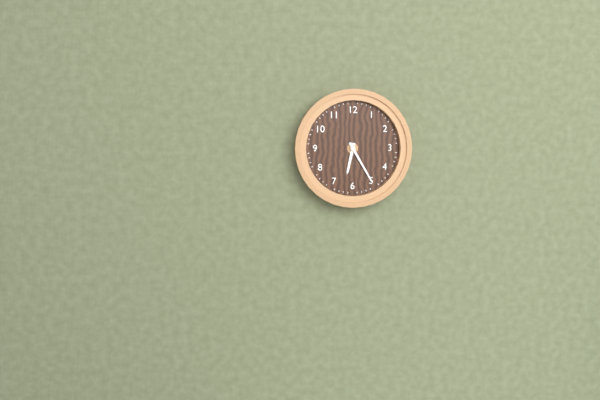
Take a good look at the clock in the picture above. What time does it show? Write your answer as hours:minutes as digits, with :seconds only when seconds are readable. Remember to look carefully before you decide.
6:25
